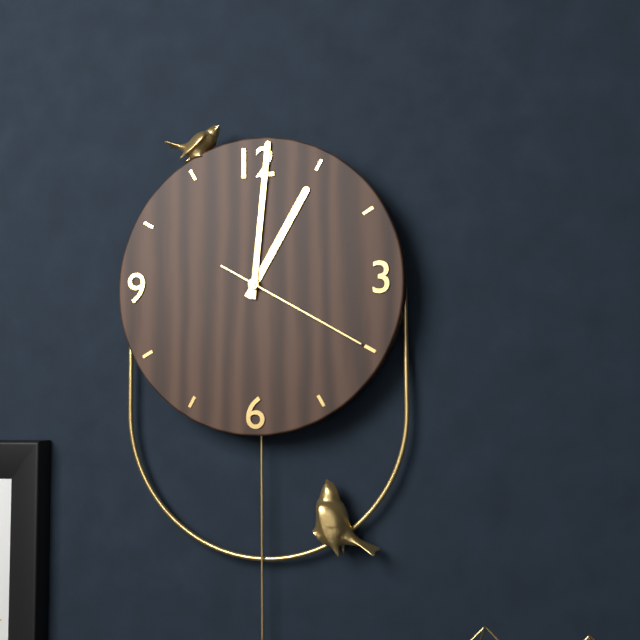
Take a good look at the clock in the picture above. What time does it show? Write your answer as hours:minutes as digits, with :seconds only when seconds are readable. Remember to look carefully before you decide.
1:01:20
